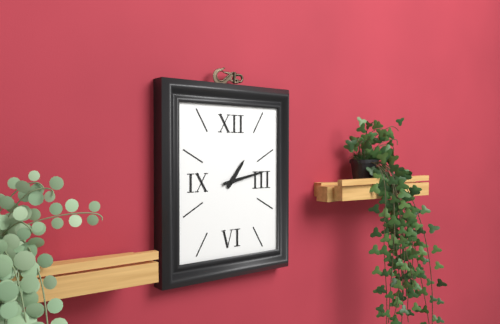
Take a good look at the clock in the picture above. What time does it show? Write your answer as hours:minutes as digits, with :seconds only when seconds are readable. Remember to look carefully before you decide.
1:13
